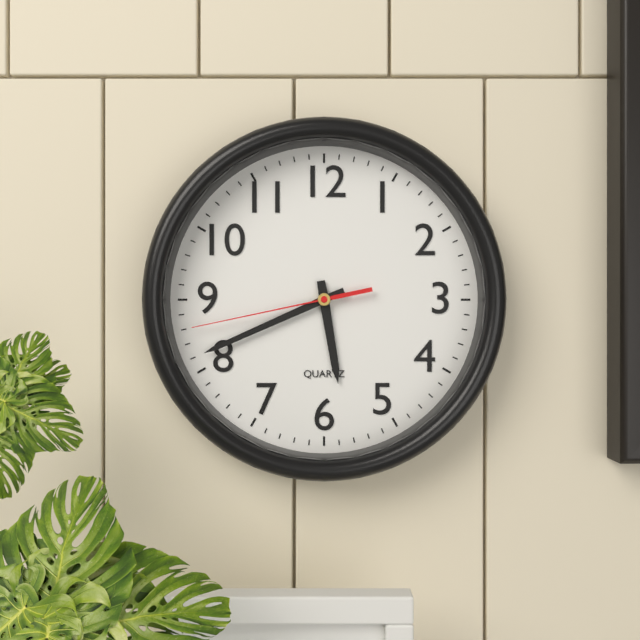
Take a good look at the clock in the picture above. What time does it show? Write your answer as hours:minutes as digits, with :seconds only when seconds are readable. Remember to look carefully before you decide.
5:41:43
